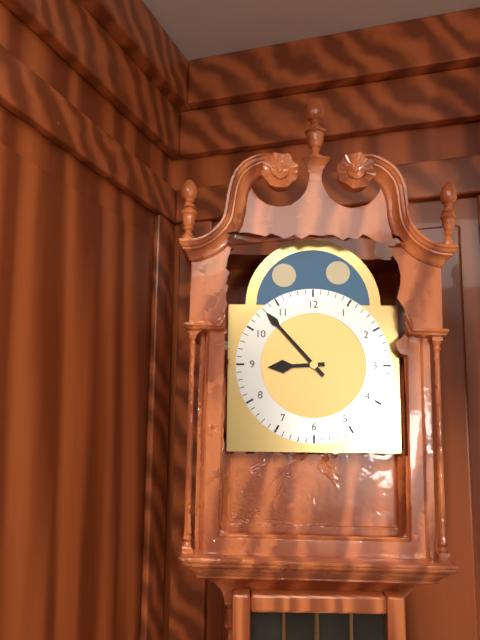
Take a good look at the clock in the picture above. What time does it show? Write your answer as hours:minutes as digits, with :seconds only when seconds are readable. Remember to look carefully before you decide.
8:53
